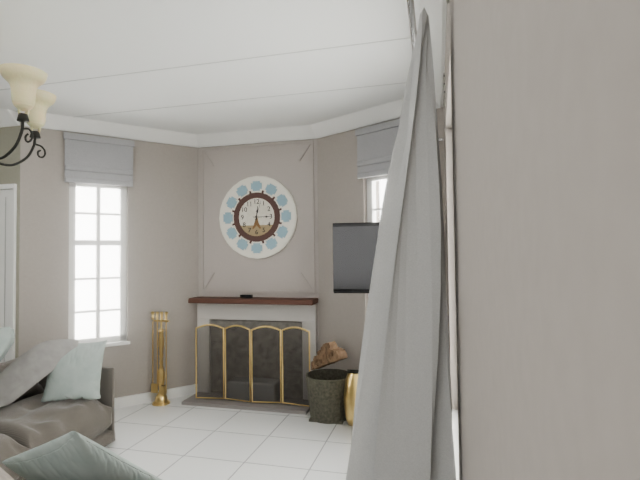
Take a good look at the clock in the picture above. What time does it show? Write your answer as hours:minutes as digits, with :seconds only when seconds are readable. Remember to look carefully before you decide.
12:15
